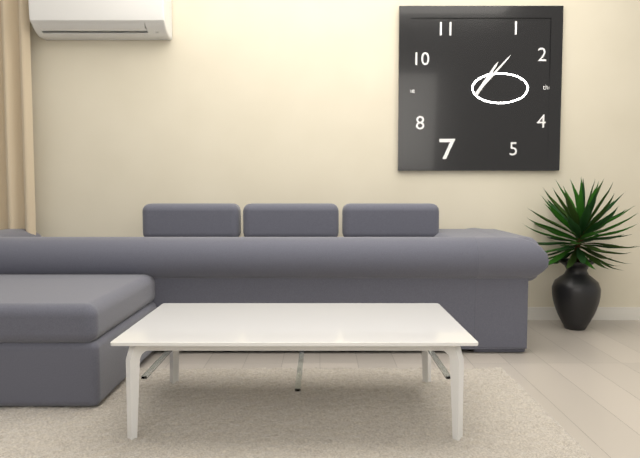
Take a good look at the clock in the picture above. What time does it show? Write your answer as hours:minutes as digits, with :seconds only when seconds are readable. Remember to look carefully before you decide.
1:07
